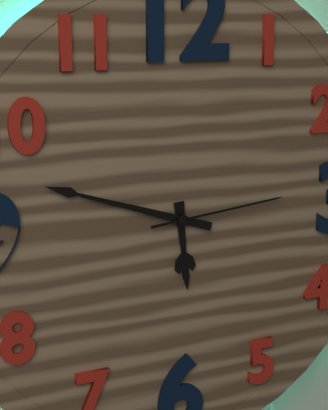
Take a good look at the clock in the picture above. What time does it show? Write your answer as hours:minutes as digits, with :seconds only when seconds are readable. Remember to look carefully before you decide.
5:48:14
